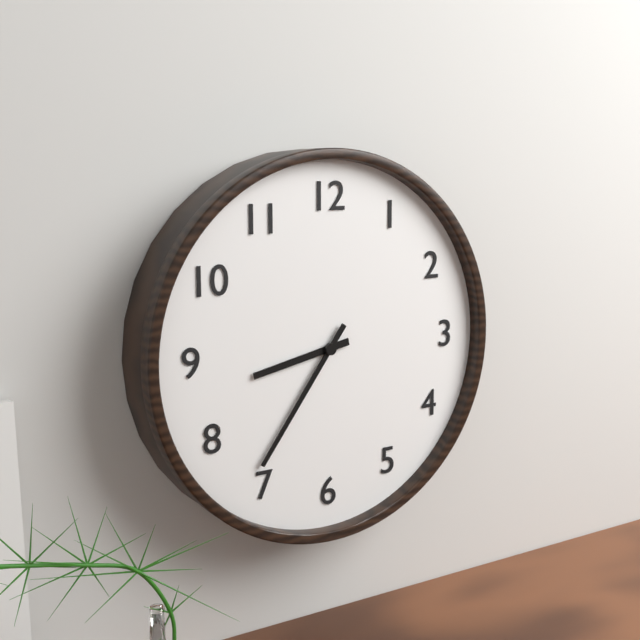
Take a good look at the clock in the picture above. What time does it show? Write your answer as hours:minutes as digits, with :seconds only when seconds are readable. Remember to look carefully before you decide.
8:36
